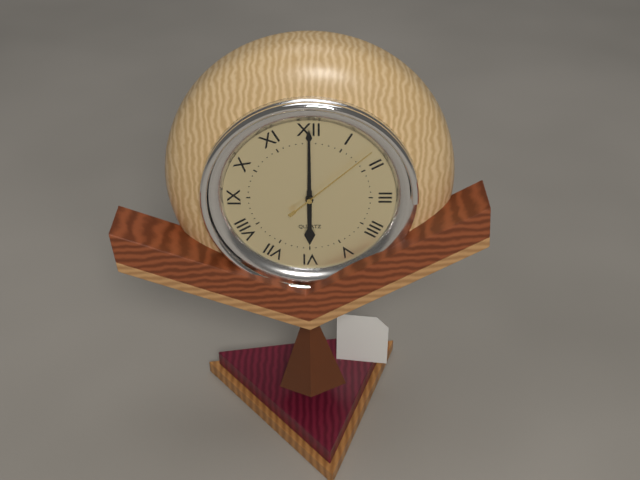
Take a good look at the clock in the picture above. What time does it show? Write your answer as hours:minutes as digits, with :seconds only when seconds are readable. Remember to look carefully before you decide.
6:00:08
